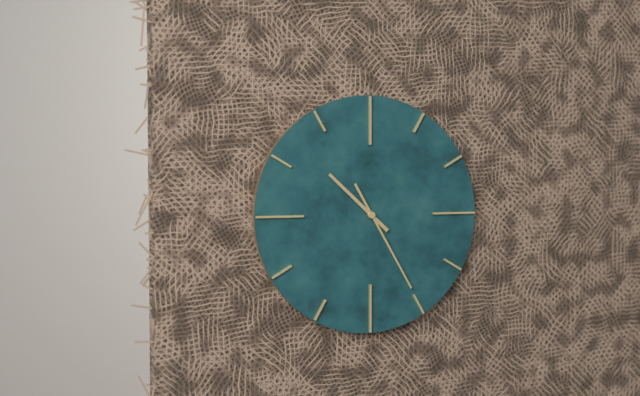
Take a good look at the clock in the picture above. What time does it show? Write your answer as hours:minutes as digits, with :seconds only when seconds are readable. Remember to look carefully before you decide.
10:25
